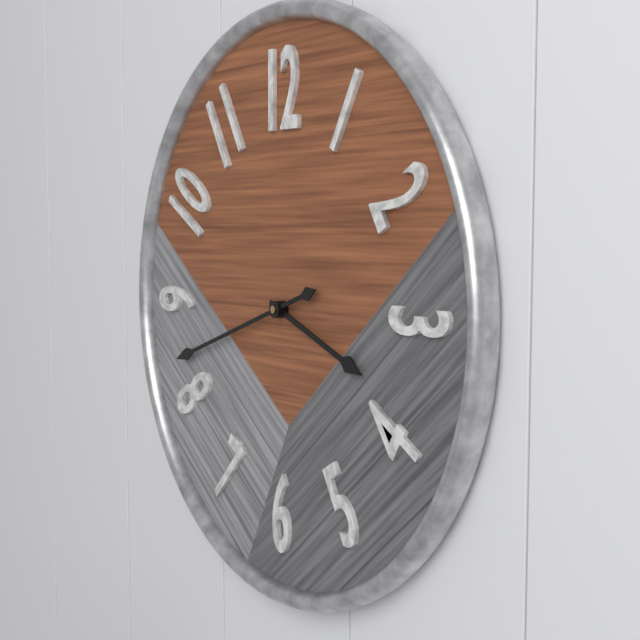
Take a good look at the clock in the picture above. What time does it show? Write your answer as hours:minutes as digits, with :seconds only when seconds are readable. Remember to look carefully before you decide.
3:42
